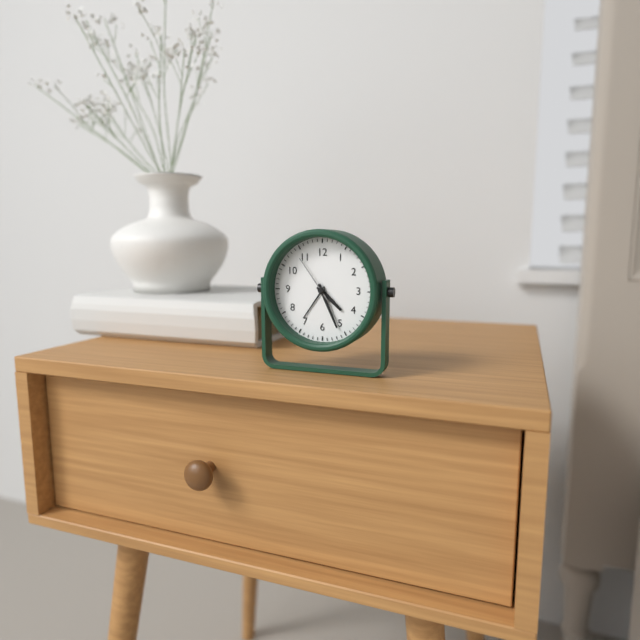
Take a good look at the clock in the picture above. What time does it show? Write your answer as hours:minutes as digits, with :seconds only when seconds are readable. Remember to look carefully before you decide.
4:26
